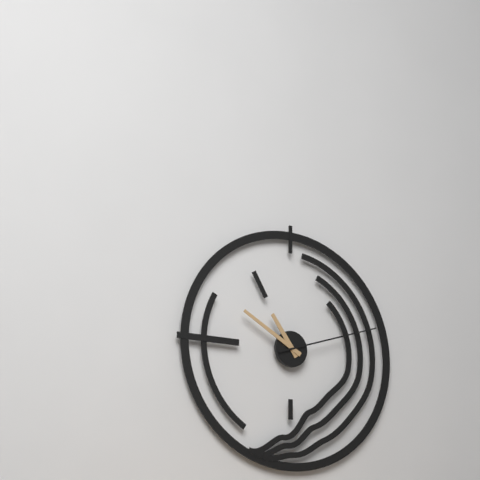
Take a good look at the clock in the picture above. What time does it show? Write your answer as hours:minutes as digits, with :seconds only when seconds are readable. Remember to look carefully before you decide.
10:50:12
